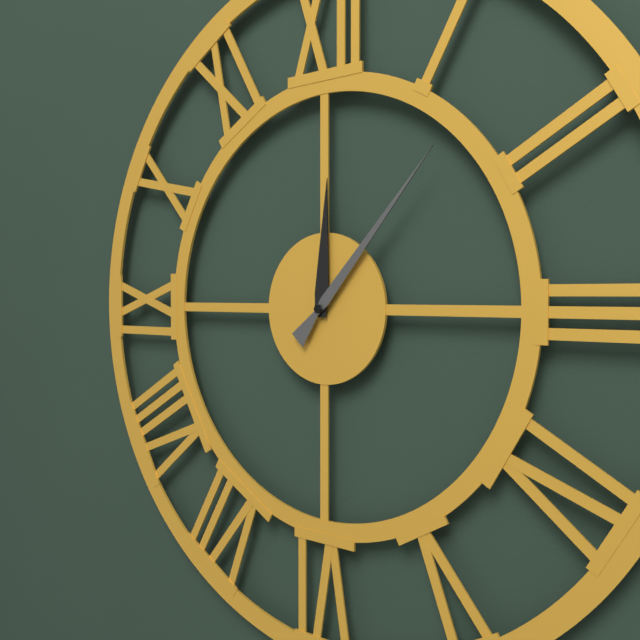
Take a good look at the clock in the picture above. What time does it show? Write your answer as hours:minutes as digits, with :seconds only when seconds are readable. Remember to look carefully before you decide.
12:07
